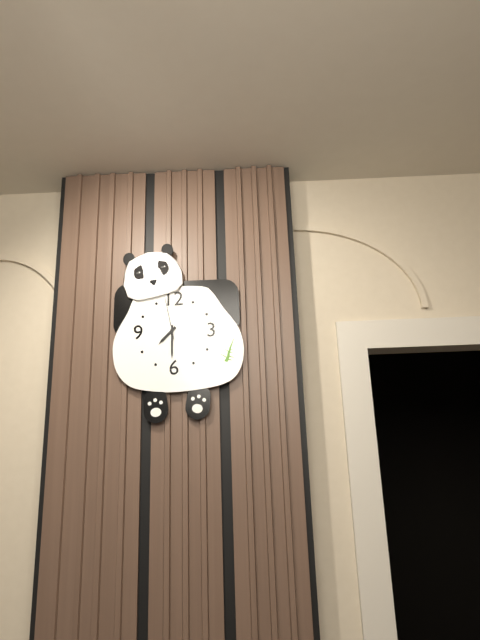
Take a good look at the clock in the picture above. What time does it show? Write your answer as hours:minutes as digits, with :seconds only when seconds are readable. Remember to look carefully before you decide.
7:30
